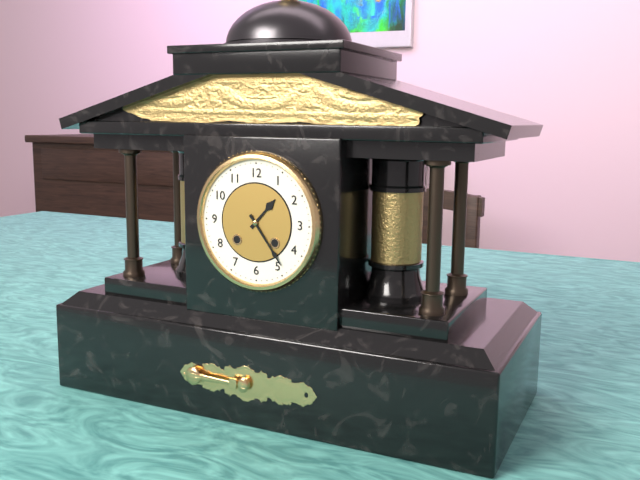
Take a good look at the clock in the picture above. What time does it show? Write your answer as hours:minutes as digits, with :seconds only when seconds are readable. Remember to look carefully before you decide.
1:24
